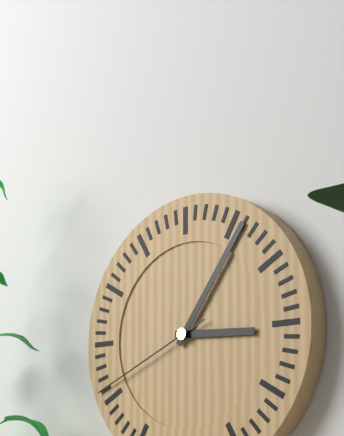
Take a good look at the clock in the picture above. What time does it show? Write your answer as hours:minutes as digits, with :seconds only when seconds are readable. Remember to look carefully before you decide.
3:06:41
